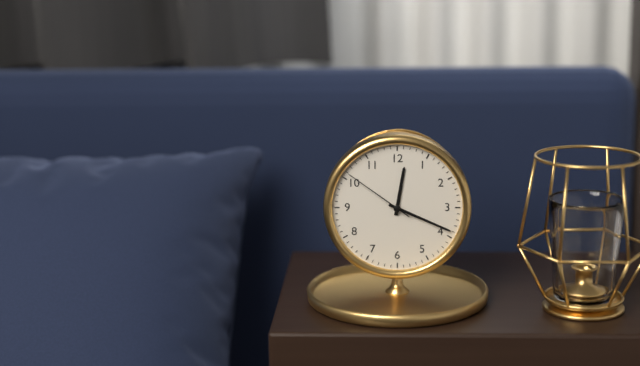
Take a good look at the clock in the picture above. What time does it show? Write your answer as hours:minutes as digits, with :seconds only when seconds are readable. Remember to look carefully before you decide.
12:19:51
